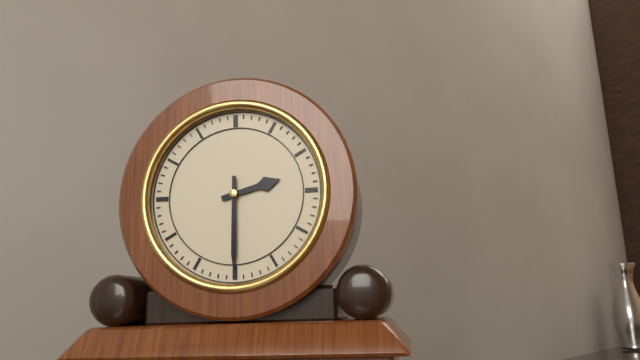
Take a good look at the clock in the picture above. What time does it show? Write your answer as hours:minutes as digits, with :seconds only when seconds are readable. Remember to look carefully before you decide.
2:30
